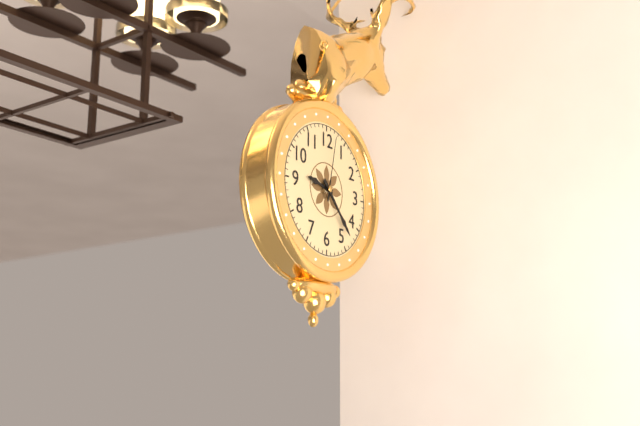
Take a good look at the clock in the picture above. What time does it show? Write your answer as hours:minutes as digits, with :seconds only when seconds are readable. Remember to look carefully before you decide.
9:23:02
